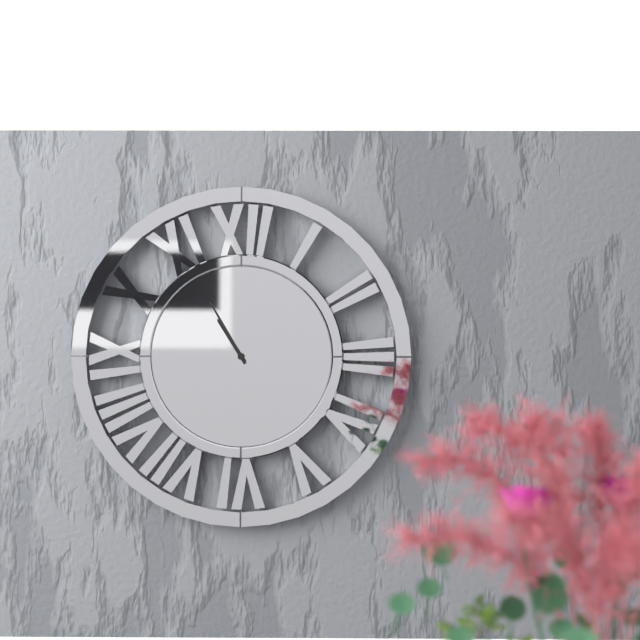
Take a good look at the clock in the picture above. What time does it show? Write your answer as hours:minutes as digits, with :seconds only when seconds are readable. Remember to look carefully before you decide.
10:55
